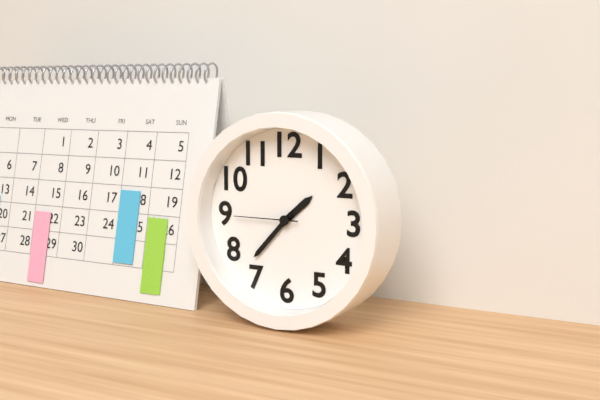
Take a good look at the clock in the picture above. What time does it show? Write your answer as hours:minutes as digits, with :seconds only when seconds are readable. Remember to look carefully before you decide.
1:37:45
